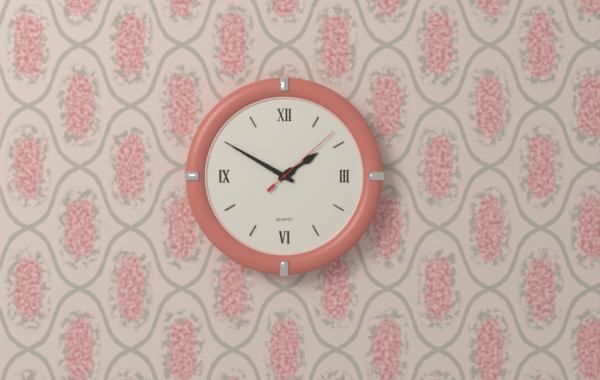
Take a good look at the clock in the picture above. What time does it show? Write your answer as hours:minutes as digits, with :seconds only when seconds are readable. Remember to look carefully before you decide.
1:50:08
